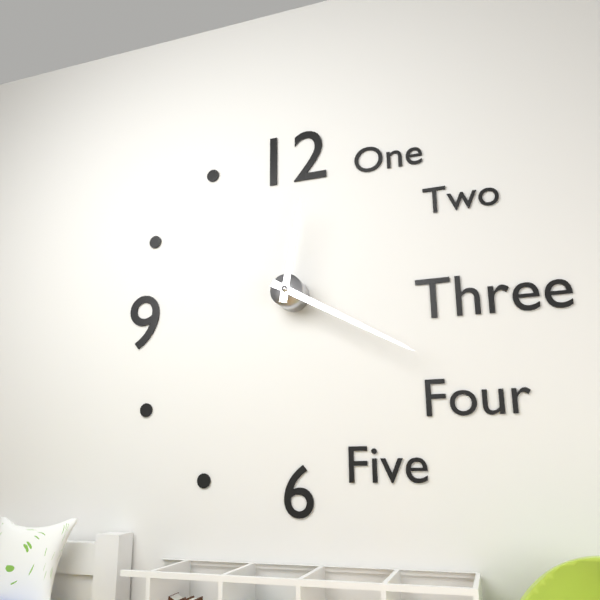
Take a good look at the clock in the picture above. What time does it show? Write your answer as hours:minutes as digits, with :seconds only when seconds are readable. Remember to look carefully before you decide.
12:20
